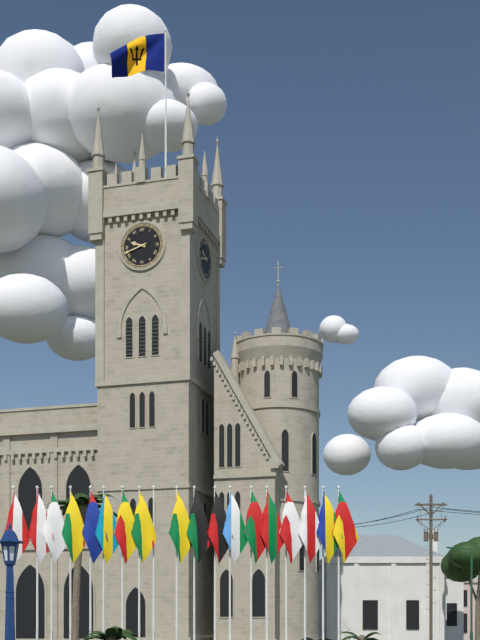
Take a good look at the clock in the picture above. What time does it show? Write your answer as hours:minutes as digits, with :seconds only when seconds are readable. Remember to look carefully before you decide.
9:42
